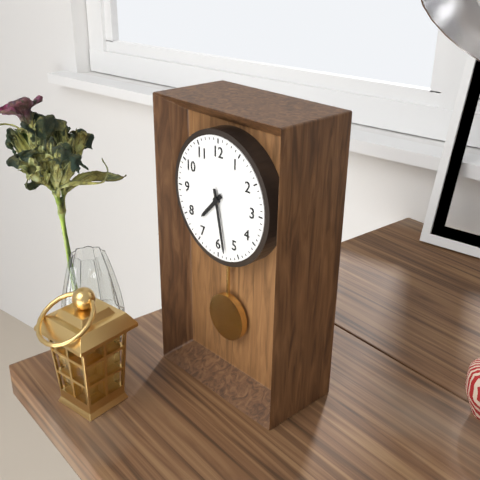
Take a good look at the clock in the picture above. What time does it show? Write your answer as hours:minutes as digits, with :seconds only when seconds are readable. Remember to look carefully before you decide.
7:28
